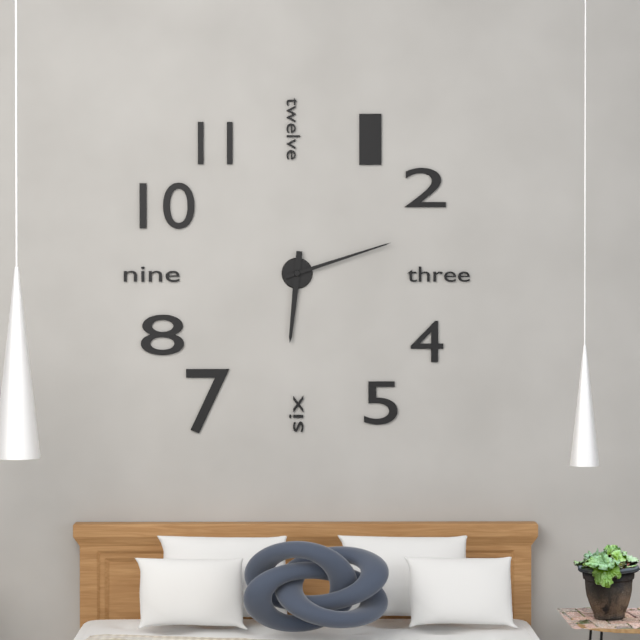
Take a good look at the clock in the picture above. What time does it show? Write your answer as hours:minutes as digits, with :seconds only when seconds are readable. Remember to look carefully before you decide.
6:12
